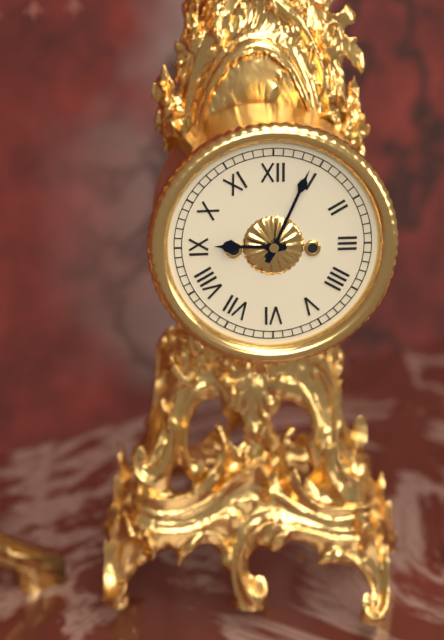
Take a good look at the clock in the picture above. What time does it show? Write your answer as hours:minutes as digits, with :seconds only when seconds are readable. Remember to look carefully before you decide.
9:04
